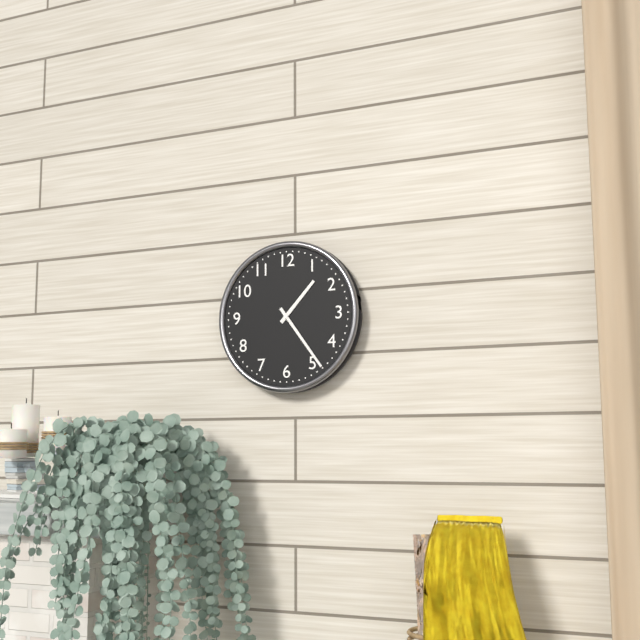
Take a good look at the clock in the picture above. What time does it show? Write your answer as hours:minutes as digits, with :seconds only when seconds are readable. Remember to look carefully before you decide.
1:24
